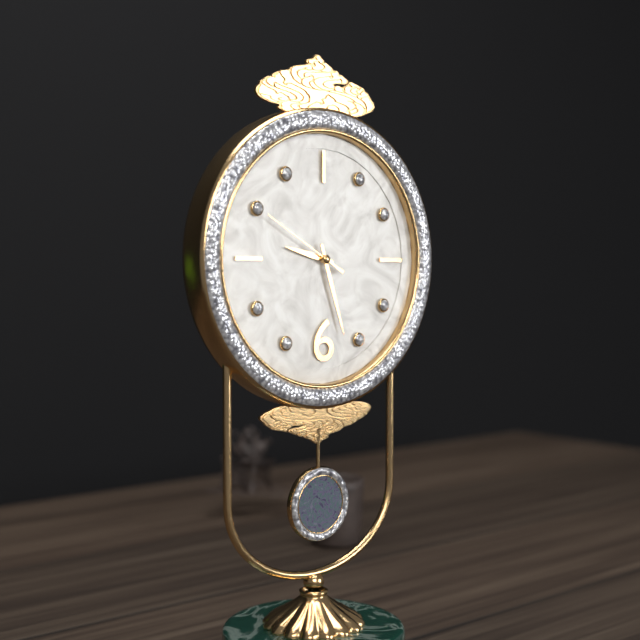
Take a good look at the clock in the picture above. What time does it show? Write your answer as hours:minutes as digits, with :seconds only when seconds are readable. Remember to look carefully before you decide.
9:27:50
